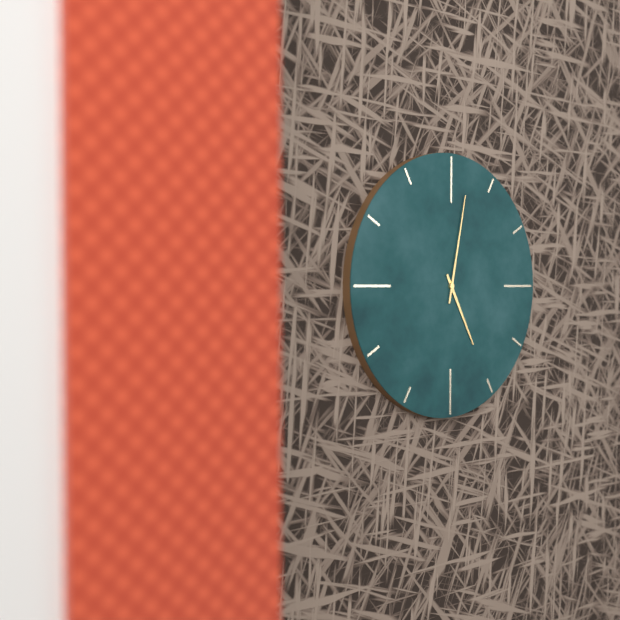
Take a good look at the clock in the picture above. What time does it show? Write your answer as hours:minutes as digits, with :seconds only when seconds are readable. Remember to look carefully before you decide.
5:02
